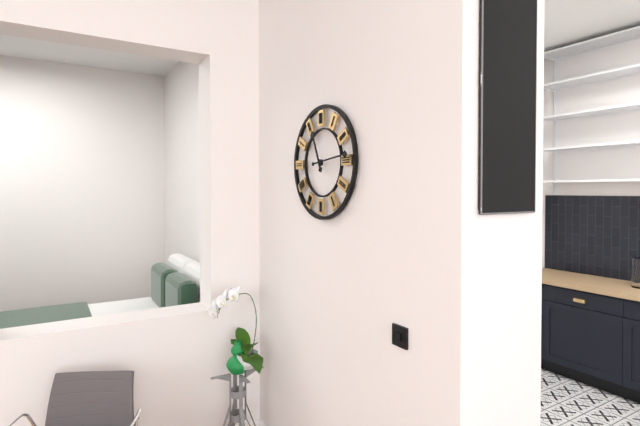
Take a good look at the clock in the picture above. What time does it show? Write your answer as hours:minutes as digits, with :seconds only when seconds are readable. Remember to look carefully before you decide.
11:14
